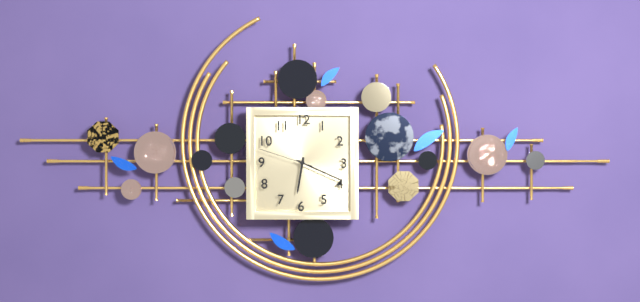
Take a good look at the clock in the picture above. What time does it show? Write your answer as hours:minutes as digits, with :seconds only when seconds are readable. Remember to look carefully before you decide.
6:19:48
